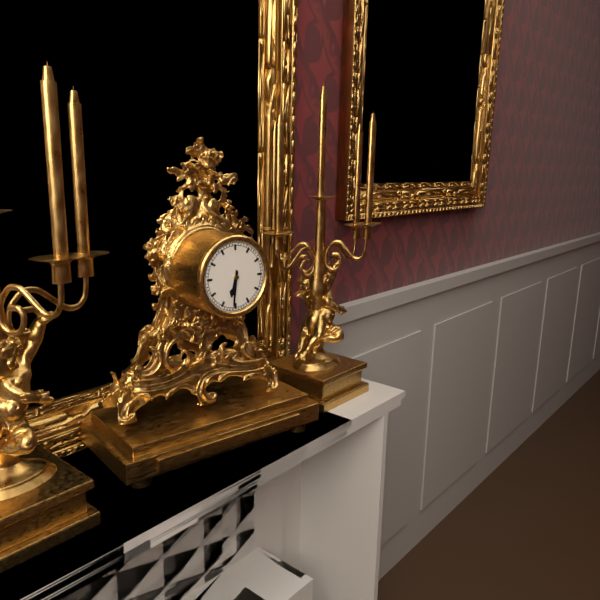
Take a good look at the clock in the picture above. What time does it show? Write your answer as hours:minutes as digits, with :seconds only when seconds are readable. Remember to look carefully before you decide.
6:31
